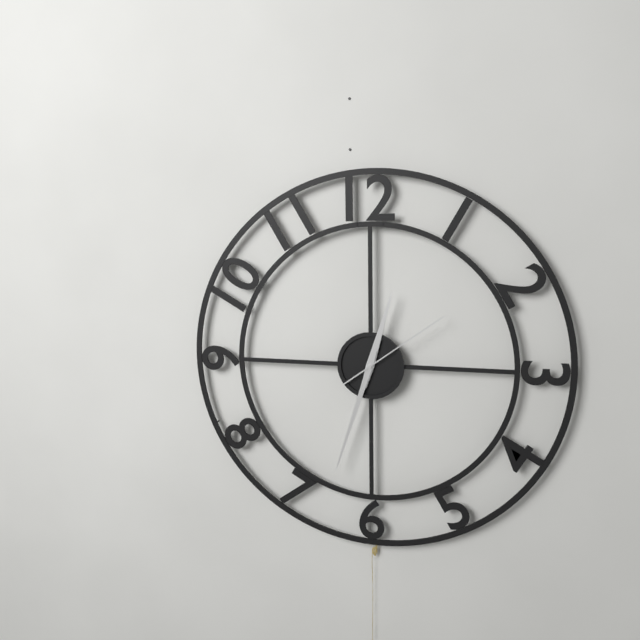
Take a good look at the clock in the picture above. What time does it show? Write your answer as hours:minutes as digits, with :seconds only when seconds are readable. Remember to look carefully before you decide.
12:33:09
